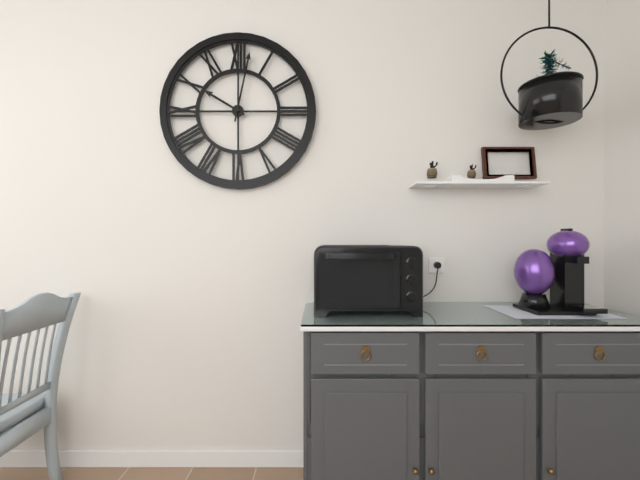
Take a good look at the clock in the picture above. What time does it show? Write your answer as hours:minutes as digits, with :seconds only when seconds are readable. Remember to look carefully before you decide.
10:02
